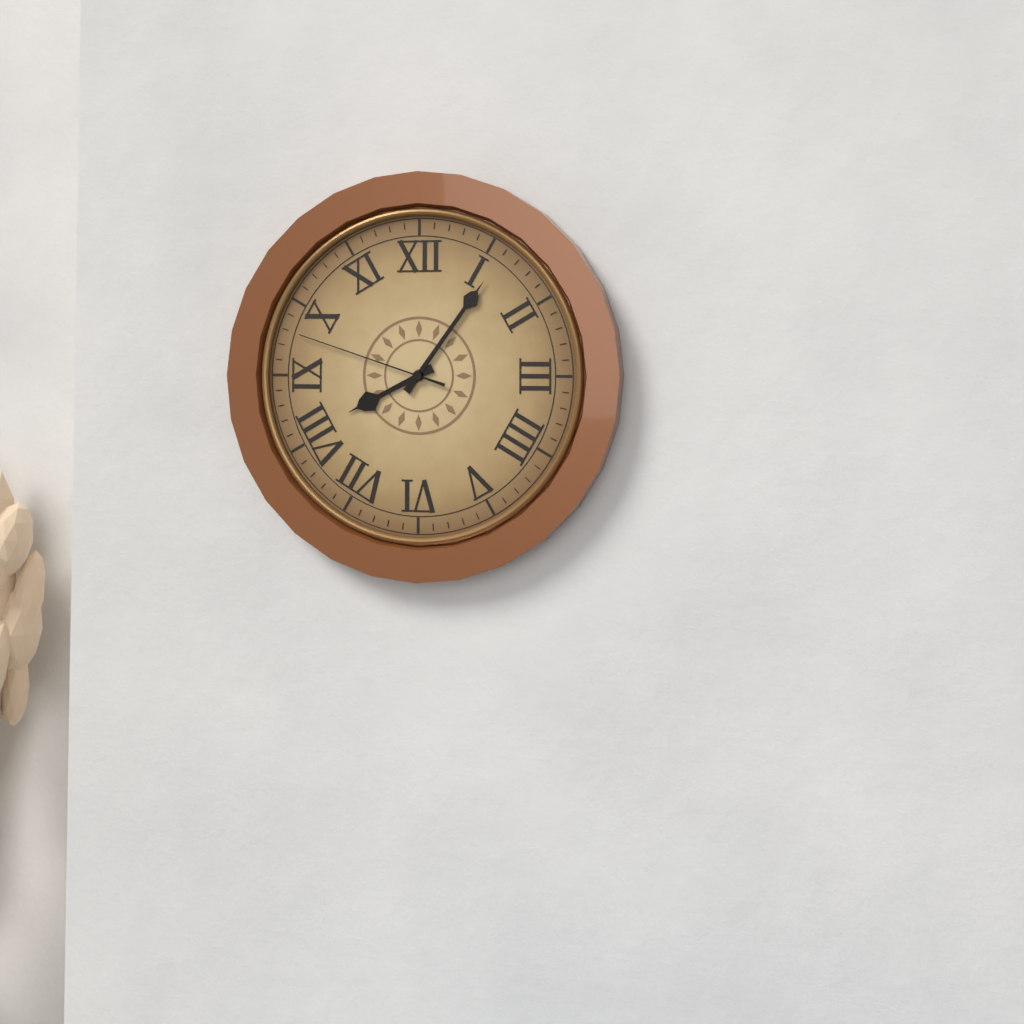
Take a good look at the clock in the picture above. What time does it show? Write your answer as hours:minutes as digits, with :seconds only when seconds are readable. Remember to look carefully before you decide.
8:06:48
